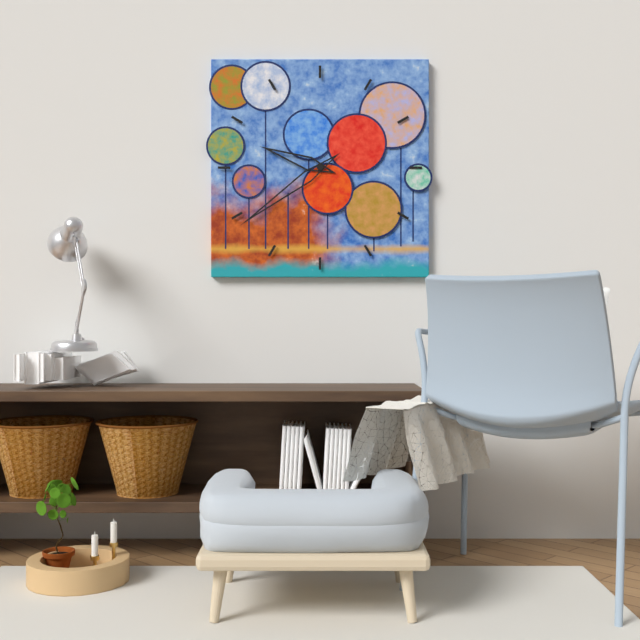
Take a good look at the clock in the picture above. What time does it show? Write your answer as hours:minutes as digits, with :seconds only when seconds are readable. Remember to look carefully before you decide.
9:39
